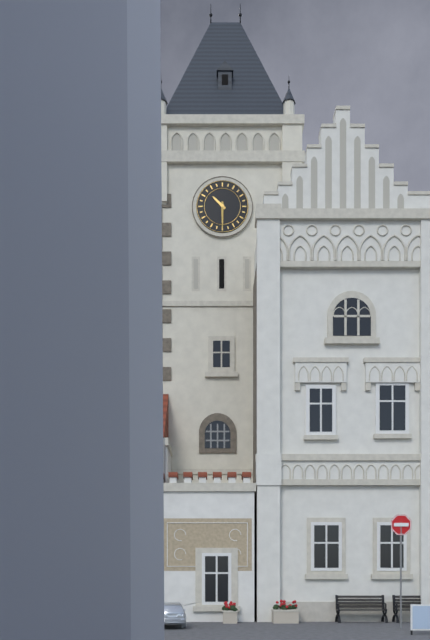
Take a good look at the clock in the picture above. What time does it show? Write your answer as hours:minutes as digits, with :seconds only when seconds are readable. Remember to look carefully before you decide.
10:30
